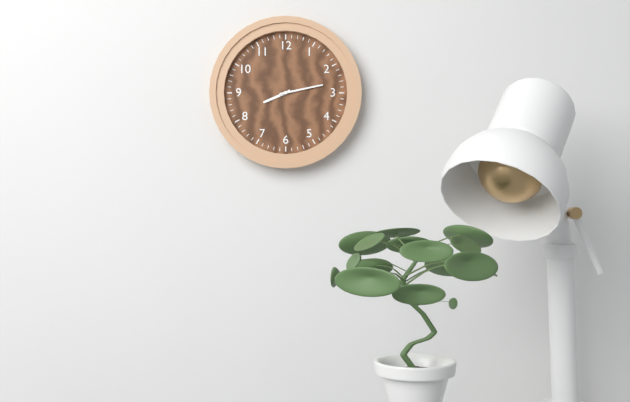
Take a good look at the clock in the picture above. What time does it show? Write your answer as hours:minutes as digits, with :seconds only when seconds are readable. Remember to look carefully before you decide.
8:13
